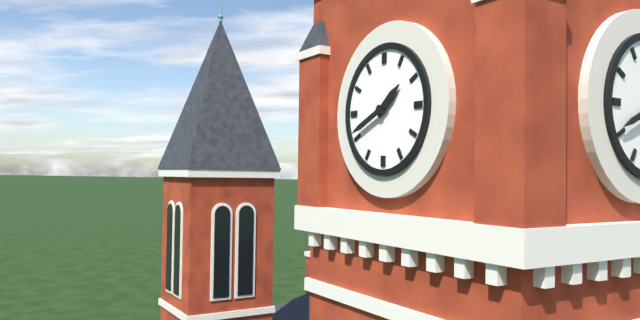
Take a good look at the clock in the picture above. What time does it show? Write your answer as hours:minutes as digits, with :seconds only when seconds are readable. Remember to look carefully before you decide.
1:41
